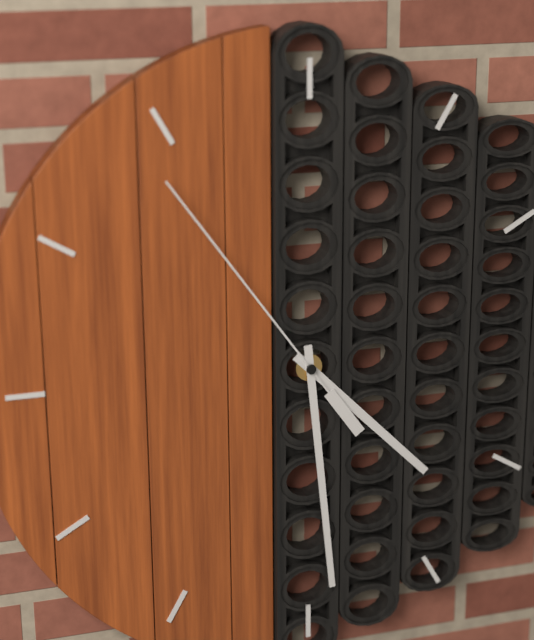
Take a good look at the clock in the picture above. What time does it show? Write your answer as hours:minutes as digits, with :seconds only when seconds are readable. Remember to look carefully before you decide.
4:29:54
